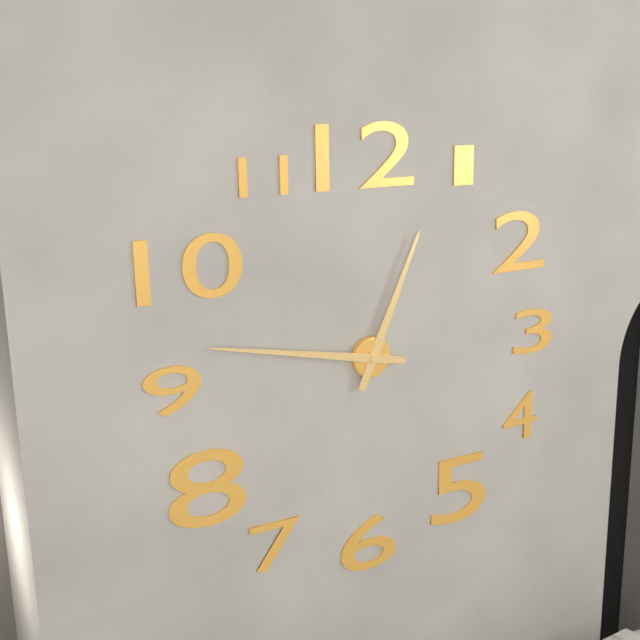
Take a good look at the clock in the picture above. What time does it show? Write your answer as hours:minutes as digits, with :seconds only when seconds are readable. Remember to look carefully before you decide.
12:47
